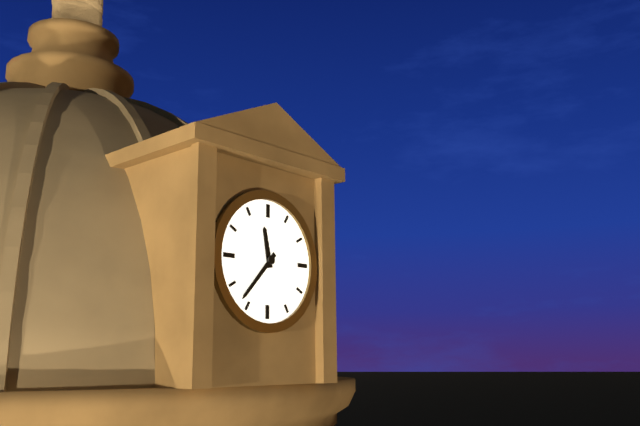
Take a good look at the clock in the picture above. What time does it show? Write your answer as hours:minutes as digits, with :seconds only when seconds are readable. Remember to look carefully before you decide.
11:37
